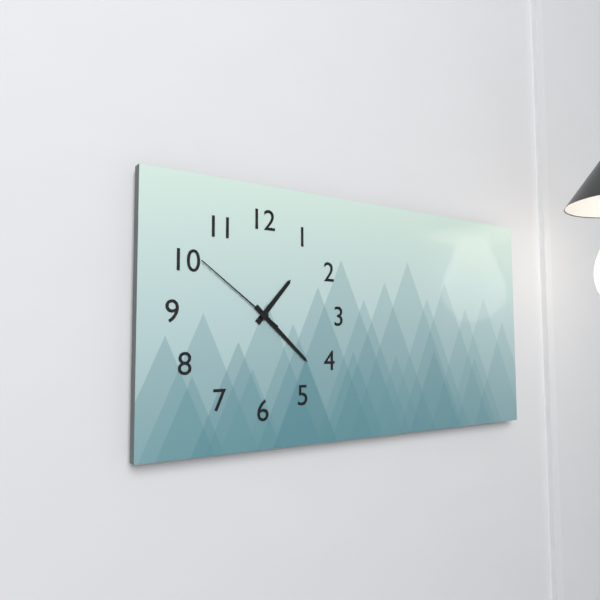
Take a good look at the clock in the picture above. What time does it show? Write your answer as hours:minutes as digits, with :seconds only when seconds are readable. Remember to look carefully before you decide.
1:22:51
